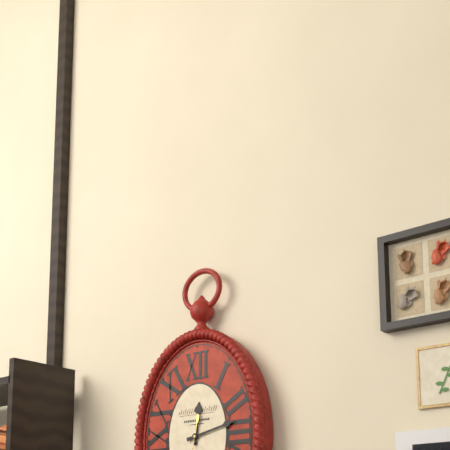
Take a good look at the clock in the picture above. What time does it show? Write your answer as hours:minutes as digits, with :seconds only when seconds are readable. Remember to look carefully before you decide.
12:13
